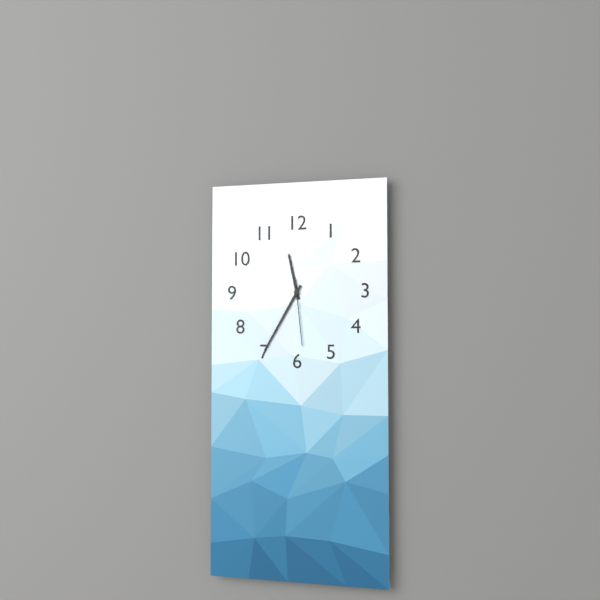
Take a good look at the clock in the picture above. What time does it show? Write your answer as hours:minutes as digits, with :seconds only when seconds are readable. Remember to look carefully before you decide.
11:35:29
